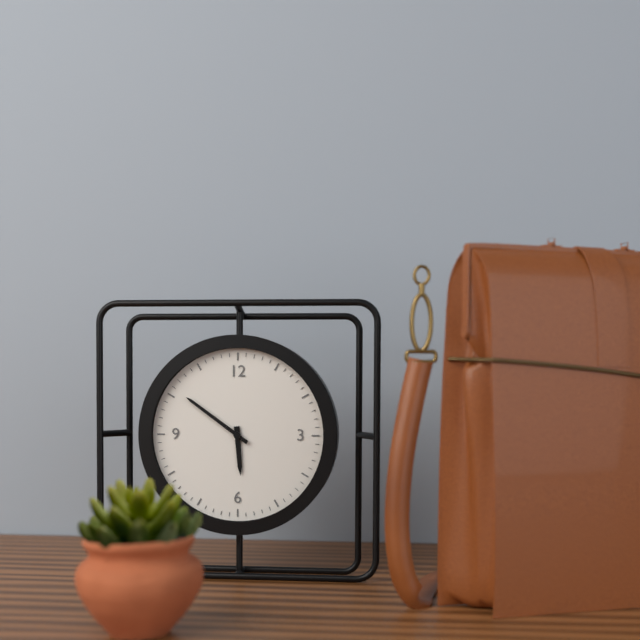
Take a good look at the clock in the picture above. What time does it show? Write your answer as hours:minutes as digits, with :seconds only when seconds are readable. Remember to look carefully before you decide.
5:51
